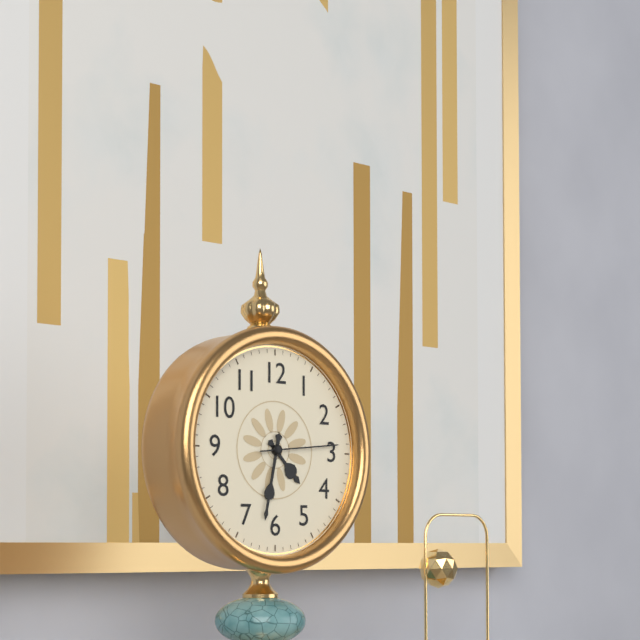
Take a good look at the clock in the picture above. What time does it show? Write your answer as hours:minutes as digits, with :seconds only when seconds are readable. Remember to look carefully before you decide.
4:32:14
